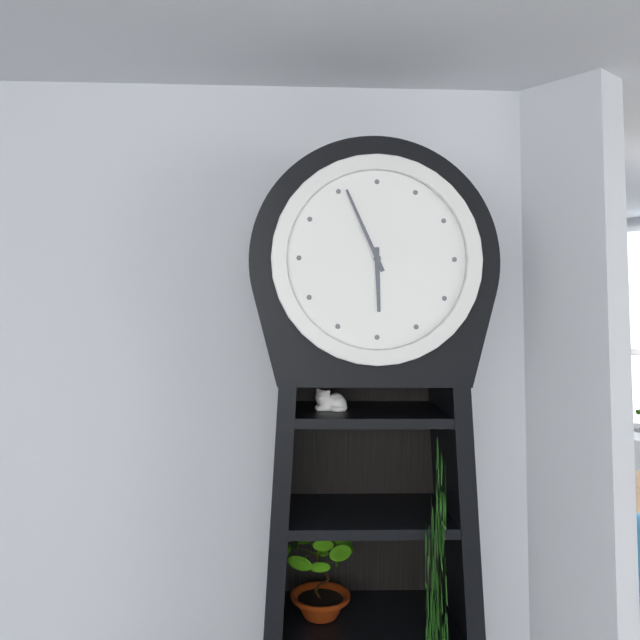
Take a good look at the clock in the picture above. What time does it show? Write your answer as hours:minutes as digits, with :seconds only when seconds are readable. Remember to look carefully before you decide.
5:56
